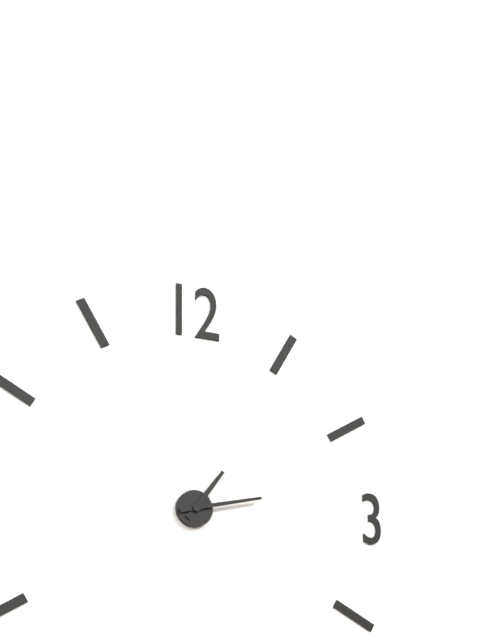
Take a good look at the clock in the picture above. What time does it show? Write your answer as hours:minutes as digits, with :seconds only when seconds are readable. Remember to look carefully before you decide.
1:13
